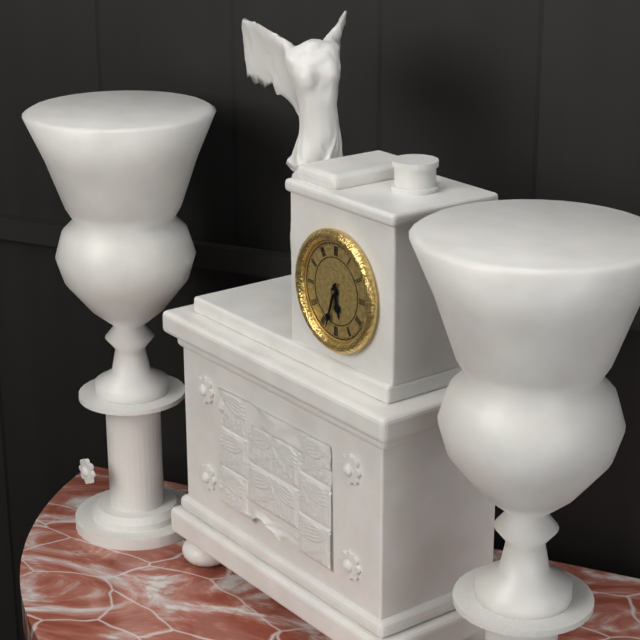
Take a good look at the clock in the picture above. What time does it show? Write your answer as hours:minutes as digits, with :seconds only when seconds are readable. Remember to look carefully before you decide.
5:33
